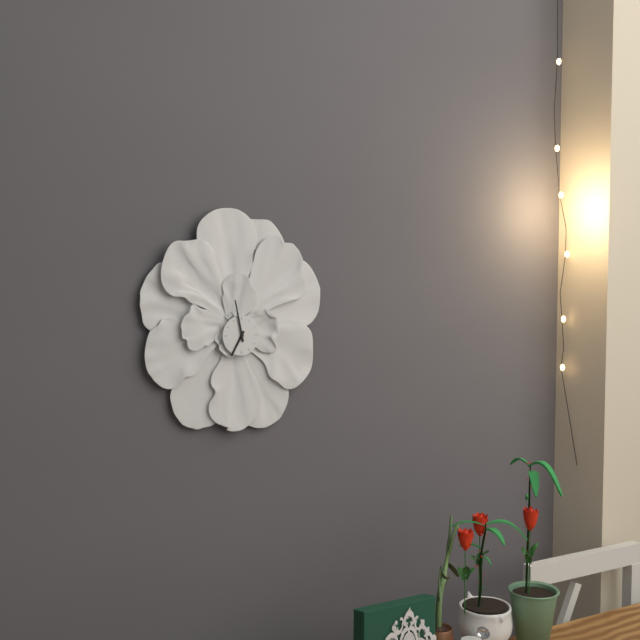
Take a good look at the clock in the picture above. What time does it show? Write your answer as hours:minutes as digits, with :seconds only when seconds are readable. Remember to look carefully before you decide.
6:58
